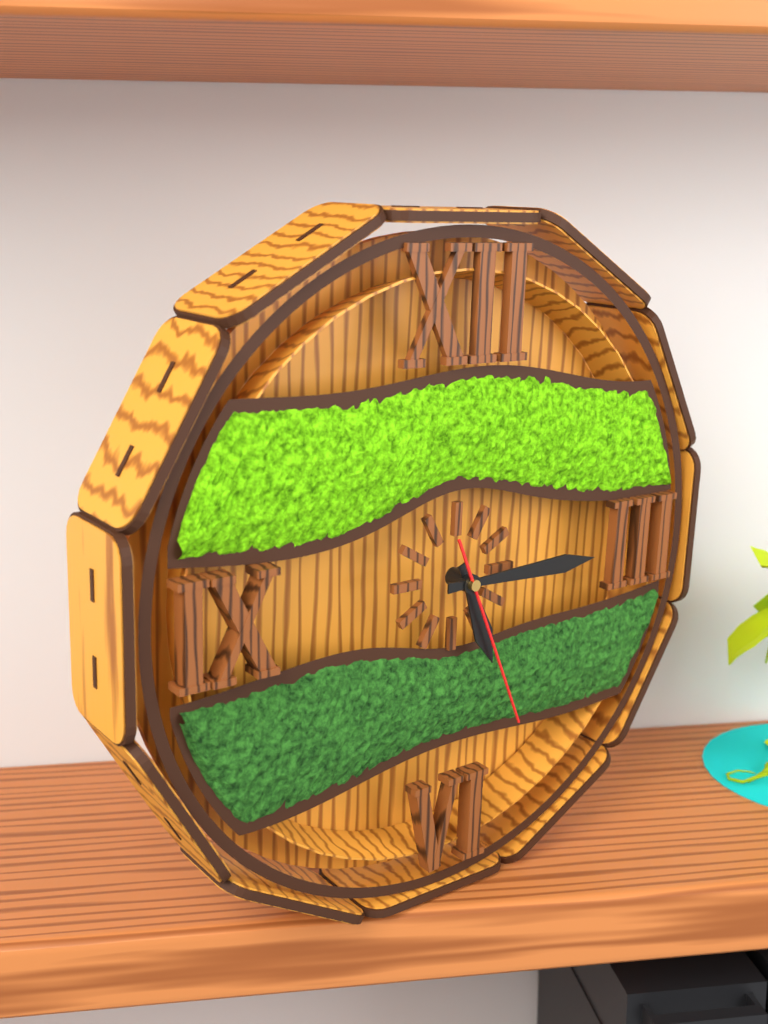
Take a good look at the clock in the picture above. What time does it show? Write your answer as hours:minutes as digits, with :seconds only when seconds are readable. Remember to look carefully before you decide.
5:15:26
